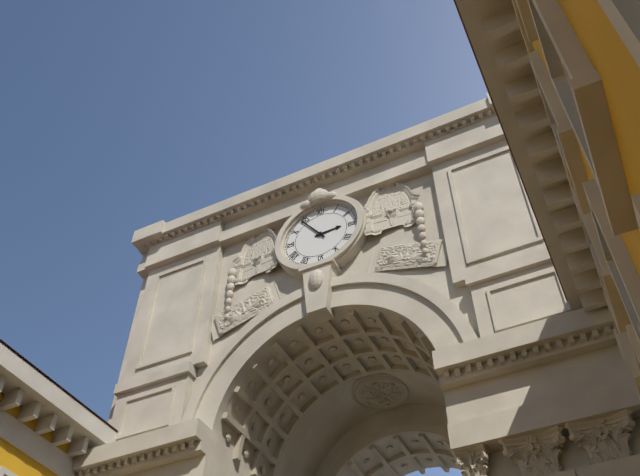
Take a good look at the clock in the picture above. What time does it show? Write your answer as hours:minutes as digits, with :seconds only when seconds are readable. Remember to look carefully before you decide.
2:54
